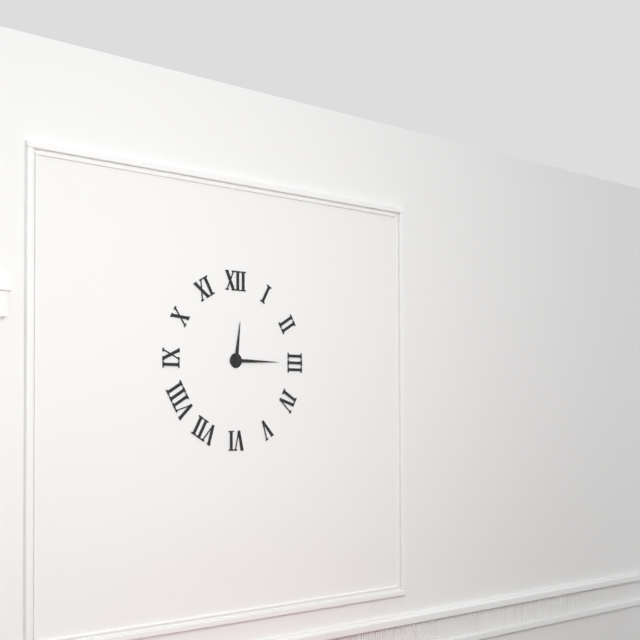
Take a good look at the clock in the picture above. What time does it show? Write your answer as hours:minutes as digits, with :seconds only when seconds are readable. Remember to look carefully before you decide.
12:15
